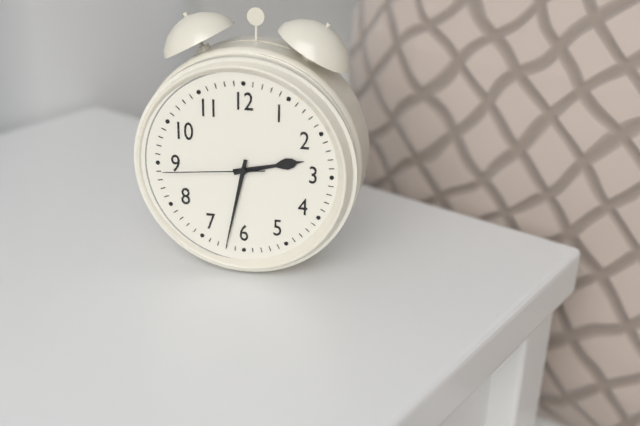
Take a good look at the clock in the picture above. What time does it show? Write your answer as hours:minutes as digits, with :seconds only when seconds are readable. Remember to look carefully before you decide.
2:32:44
